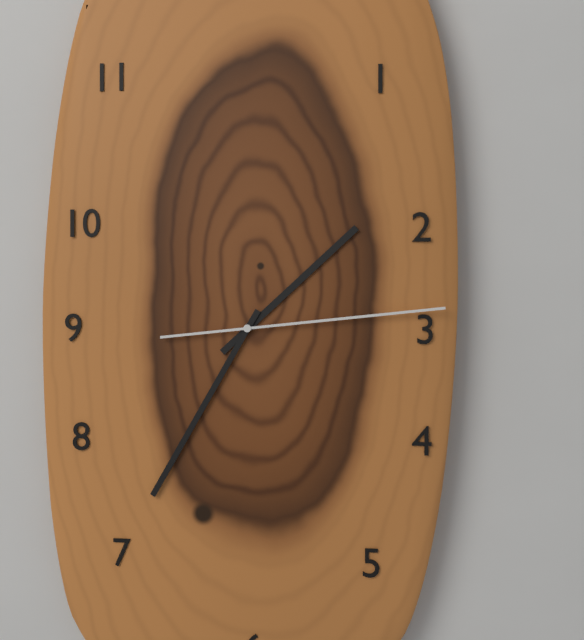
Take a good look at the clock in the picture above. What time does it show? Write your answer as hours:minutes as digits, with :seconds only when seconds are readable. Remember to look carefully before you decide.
1:35:14
